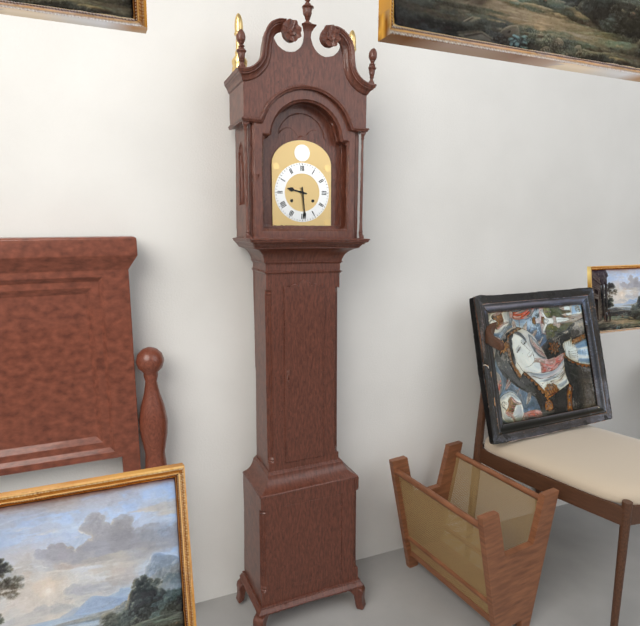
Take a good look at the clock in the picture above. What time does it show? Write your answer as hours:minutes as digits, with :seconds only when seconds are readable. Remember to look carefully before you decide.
9:29
